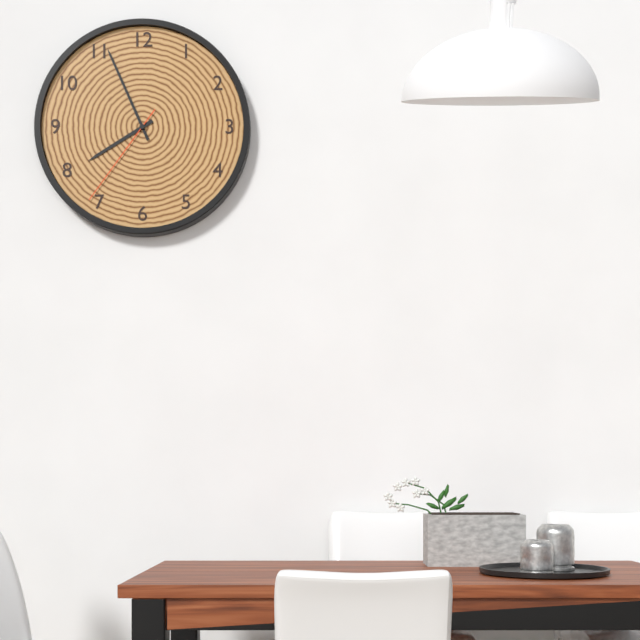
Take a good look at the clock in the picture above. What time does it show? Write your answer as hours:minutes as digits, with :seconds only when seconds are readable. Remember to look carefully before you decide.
7:56:36
